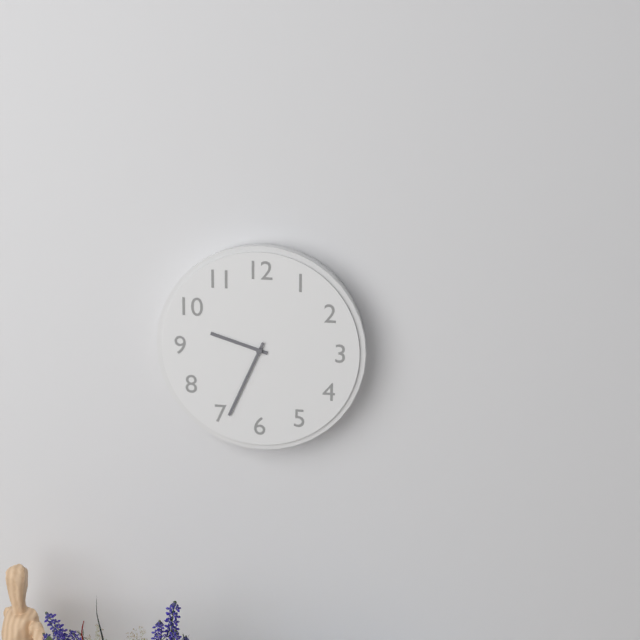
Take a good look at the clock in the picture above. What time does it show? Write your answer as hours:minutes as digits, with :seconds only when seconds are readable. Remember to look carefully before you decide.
9:34
